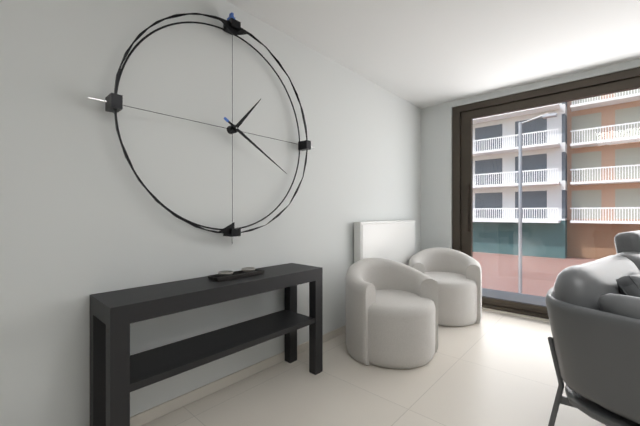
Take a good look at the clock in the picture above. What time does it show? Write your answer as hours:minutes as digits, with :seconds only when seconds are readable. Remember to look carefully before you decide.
1:20
